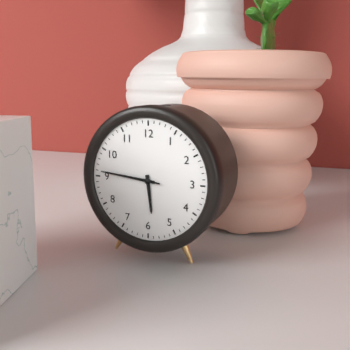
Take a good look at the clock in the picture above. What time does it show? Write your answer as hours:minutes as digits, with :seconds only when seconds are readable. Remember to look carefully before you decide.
5:46:46
